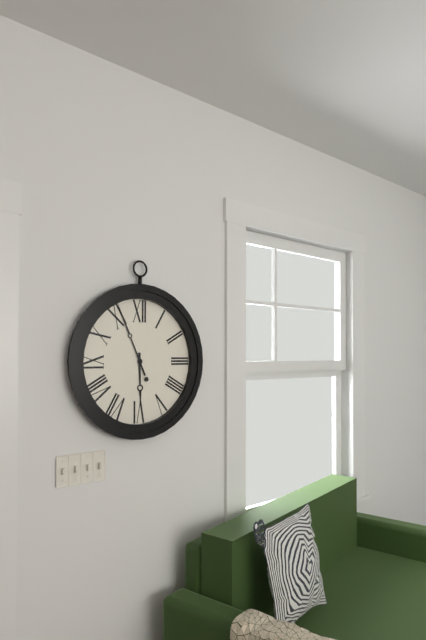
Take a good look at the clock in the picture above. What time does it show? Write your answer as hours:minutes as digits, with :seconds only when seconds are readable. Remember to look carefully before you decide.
5:56
